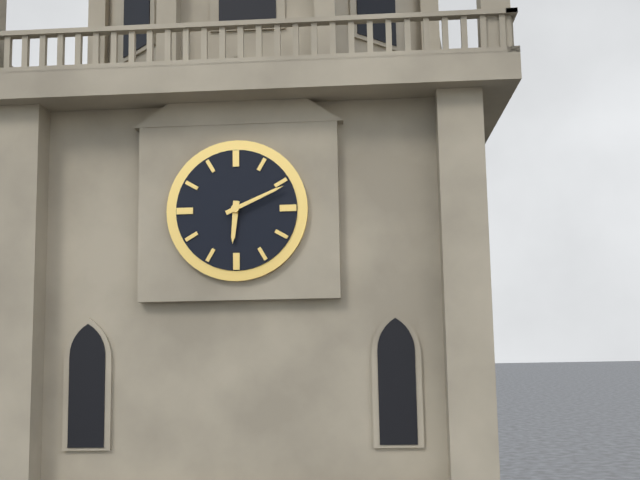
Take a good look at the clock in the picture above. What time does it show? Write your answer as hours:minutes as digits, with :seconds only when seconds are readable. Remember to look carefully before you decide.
6:11
